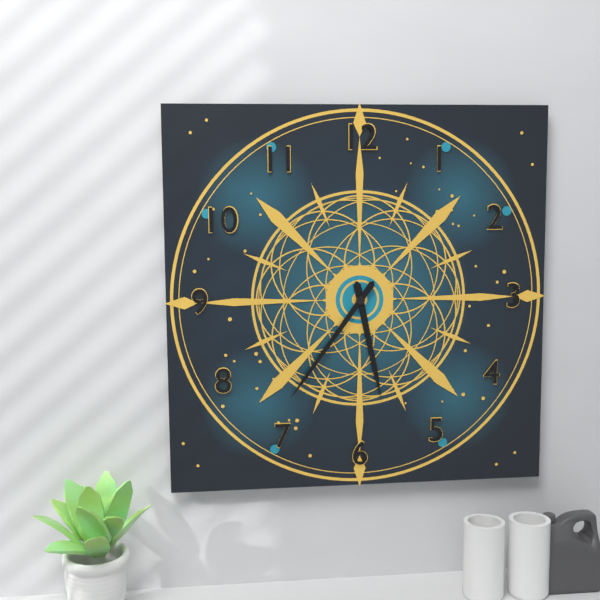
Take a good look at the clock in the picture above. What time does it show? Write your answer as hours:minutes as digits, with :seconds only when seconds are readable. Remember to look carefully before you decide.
5:36
